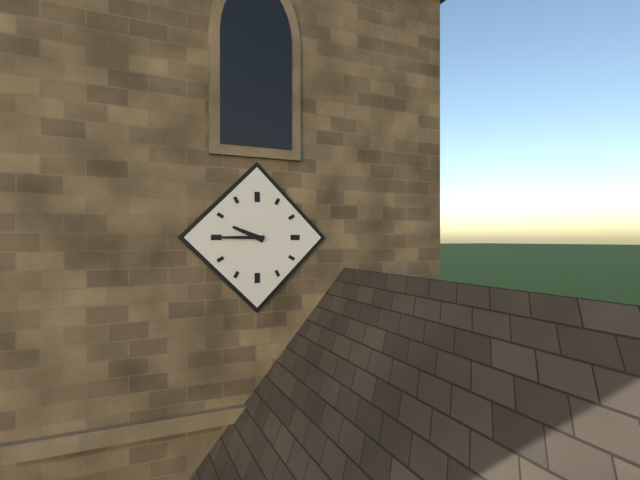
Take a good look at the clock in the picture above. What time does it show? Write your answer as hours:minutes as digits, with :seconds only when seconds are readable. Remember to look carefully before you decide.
9:45
